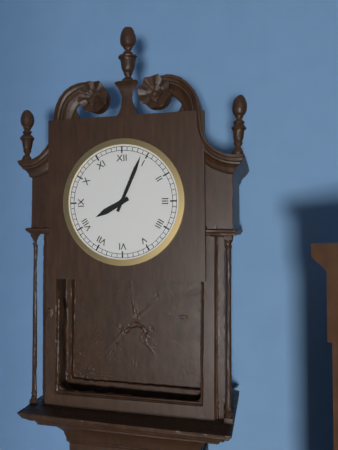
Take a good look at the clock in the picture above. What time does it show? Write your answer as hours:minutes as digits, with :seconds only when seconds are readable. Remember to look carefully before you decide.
8:04
